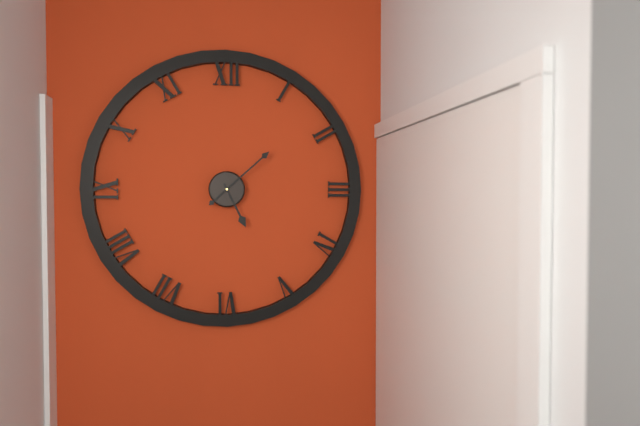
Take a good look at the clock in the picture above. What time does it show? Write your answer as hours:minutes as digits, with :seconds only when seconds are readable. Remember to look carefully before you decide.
5:08
